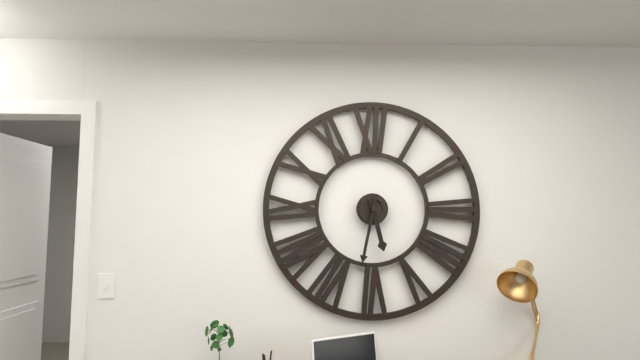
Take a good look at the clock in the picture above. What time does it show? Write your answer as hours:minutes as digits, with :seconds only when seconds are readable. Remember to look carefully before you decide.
5:32
